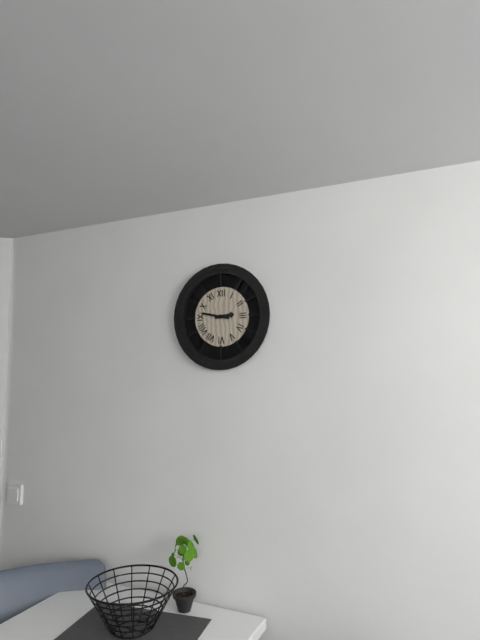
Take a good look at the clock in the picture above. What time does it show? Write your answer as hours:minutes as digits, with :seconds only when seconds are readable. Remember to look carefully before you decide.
2:47
